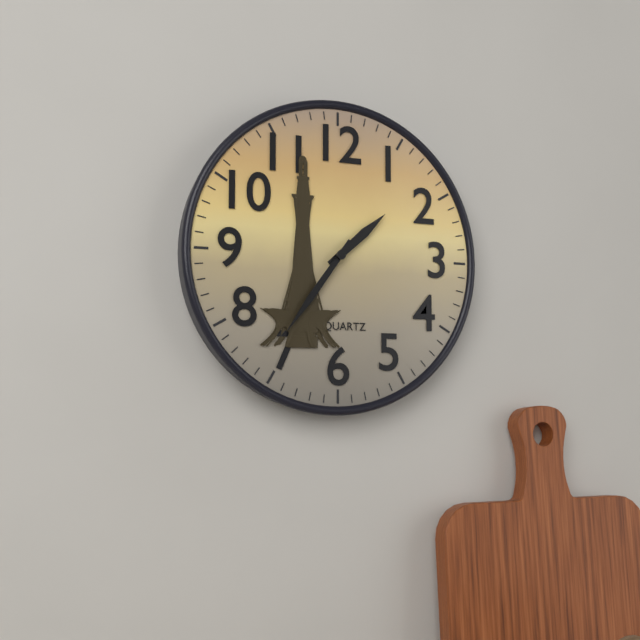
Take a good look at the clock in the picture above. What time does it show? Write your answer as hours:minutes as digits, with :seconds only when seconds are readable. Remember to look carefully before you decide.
1:36
